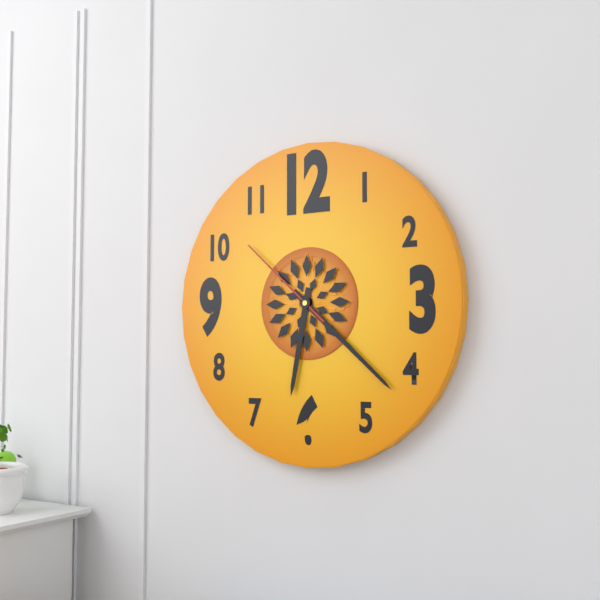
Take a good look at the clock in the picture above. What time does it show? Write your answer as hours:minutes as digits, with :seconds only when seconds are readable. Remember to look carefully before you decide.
6:22:52
